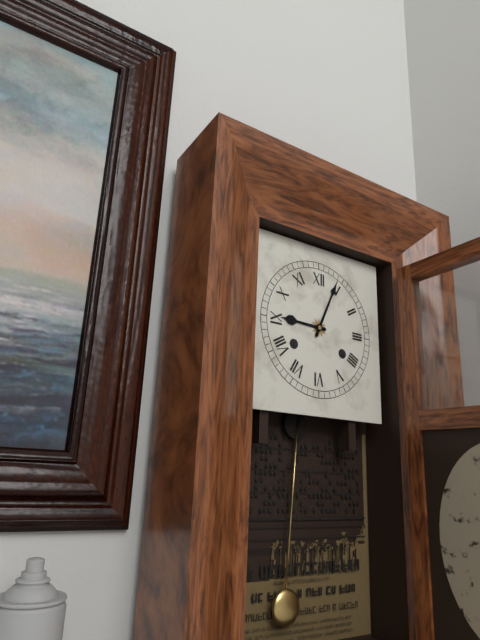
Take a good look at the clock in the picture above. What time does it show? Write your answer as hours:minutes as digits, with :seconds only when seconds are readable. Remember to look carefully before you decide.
9:04
